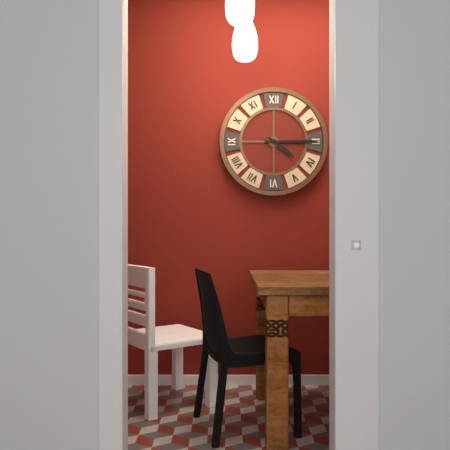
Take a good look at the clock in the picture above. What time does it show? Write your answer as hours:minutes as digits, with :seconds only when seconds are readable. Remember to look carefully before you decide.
4:15
